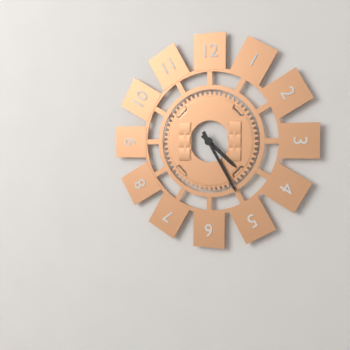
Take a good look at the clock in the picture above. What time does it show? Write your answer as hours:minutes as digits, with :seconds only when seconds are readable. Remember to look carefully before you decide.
4:25
